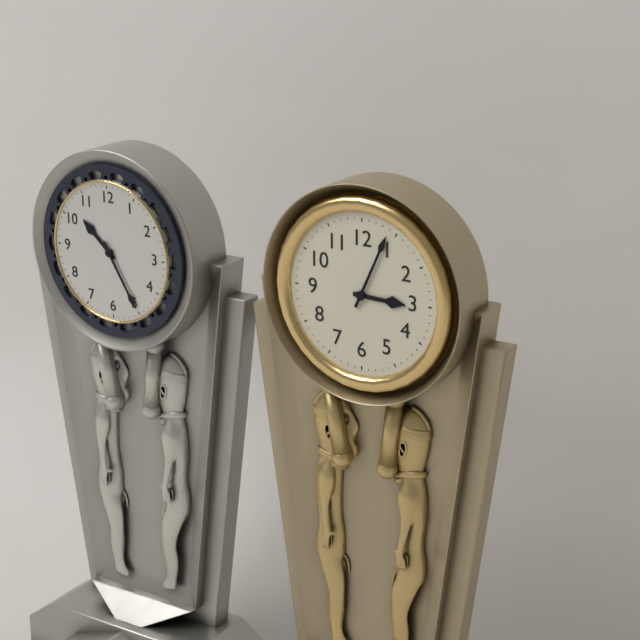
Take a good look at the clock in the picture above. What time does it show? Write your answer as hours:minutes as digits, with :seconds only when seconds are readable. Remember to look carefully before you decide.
3:04
